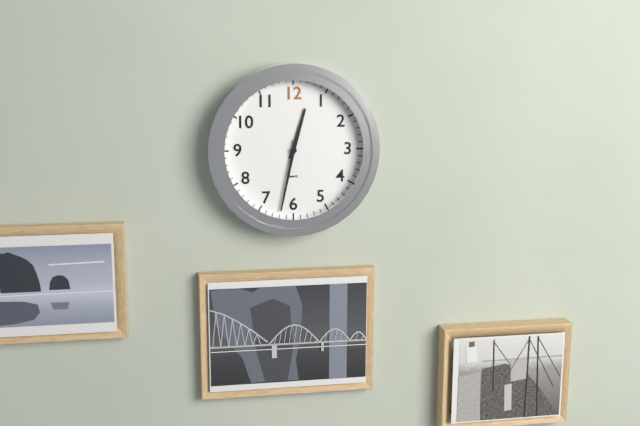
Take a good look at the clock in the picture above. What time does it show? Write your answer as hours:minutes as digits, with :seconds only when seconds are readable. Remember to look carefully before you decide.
12:32
